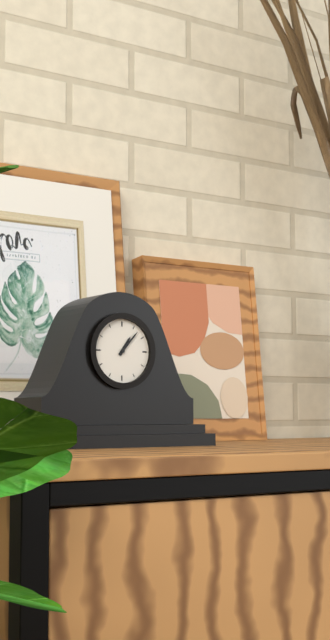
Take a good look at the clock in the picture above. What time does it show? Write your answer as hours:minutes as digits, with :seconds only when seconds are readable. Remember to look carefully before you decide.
1:07
